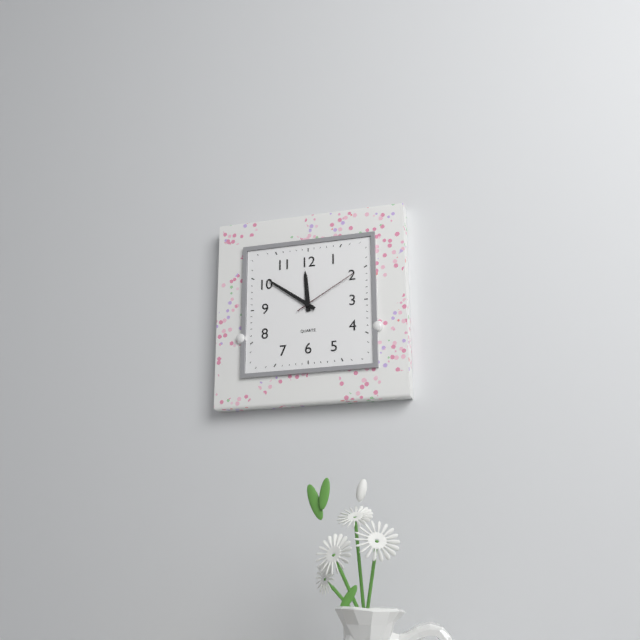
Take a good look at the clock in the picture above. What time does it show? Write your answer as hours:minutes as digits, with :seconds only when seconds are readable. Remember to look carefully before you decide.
11:51:10
